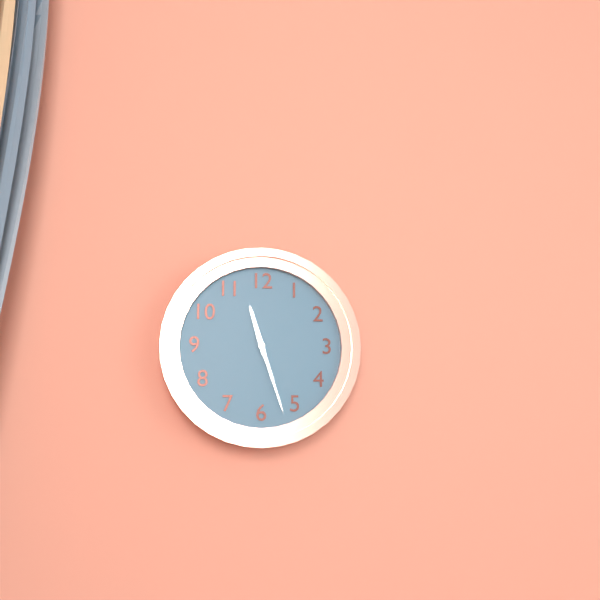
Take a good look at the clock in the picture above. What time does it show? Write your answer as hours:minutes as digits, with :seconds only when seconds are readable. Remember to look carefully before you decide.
11:27
